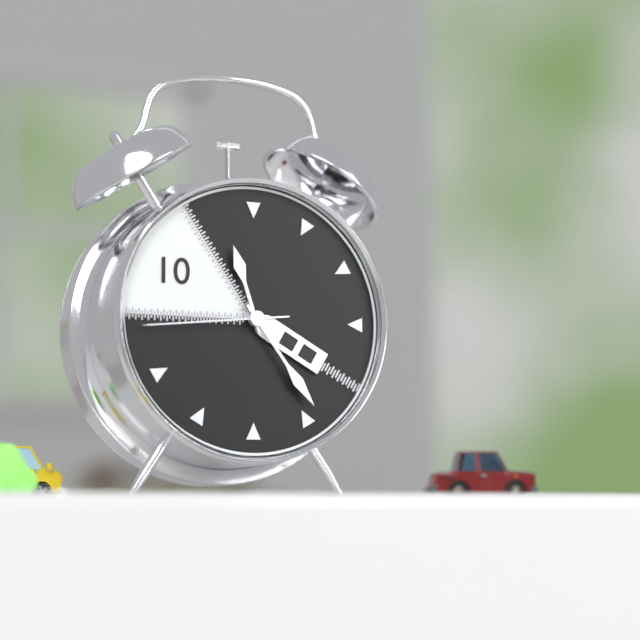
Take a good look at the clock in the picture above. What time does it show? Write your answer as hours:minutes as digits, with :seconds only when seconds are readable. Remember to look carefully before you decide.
11:24:44
